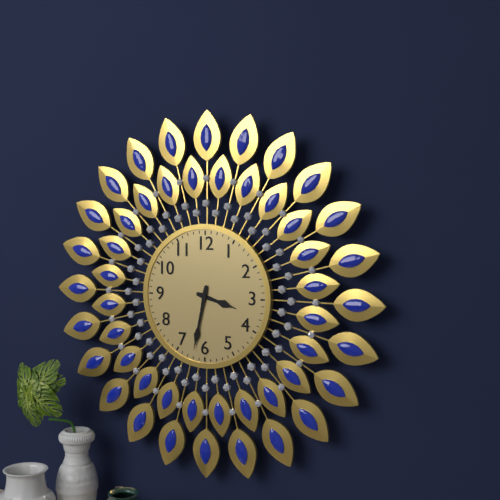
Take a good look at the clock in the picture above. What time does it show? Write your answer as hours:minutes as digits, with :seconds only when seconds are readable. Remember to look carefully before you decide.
3:32
